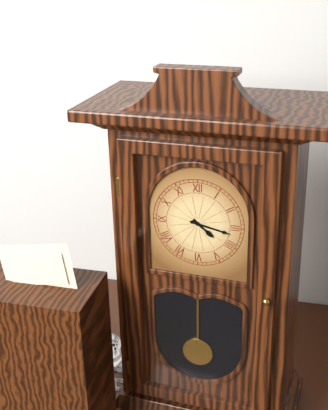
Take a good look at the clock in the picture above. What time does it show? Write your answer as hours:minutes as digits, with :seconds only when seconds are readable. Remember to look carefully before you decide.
4:17
